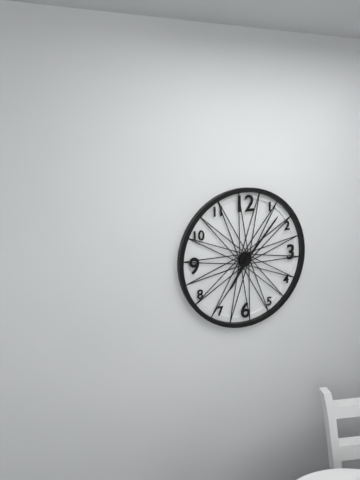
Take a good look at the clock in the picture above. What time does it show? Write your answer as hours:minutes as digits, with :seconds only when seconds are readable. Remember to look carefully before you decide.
7:07
